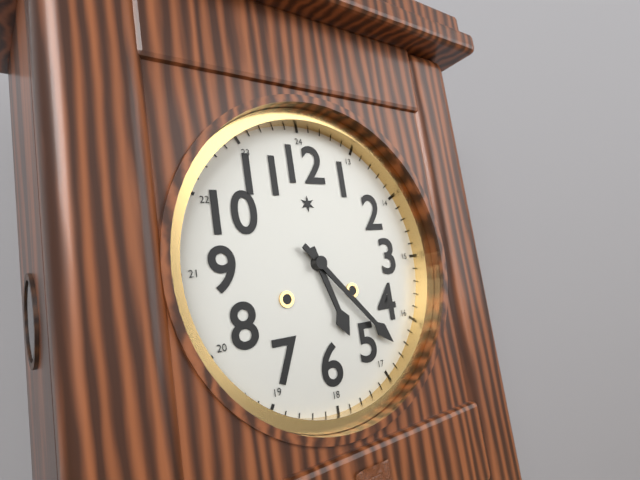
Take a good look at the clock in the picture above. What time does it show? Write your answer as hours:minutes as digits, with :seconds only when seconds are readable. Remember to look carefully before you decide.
5:23
